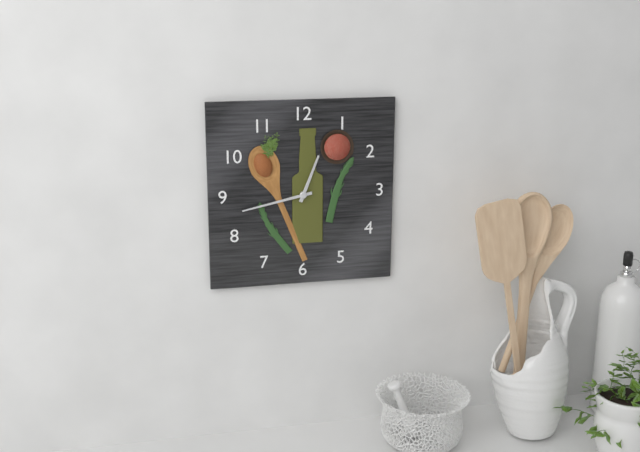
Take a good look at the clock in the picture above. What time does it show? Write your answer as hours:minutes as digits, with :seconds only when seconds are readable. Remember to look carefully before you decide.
12:43
